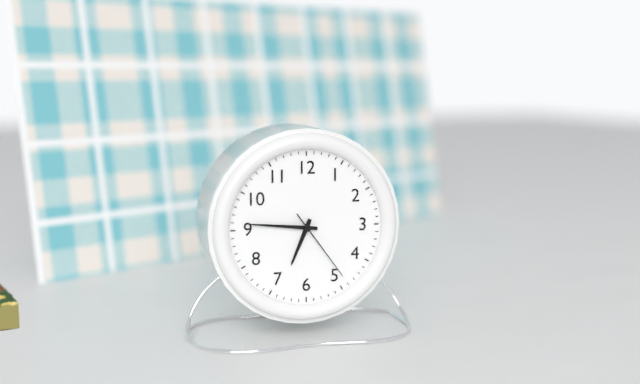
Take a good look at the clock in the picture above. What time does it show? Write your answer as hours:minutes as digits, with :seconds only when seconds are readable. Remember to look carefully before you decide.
6:46:24
